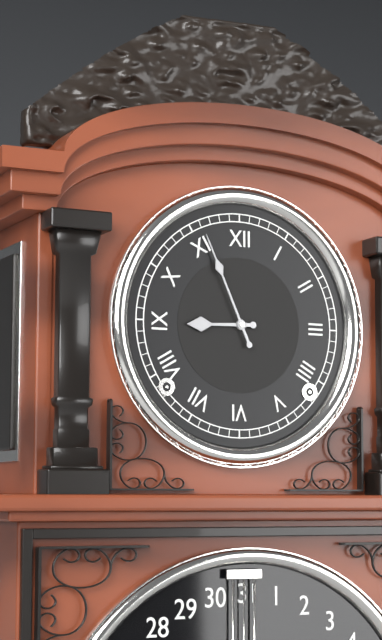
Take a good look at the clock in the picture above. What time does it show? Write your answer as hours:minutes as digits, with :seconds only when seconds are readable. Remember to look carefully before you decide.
8:56
